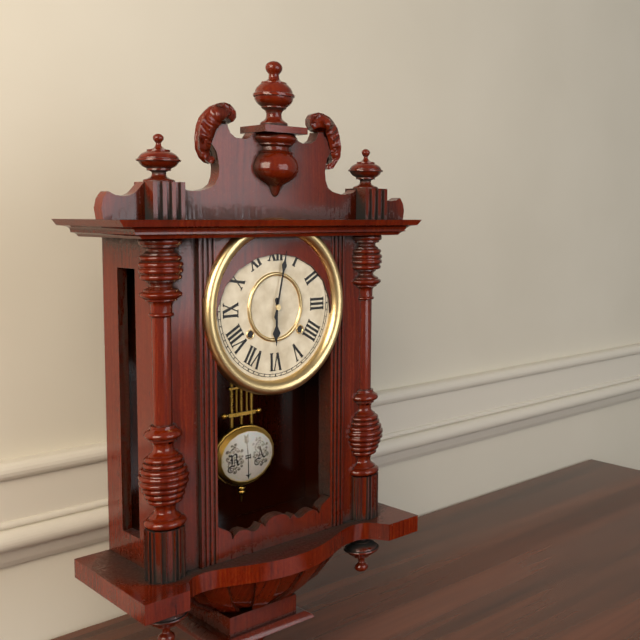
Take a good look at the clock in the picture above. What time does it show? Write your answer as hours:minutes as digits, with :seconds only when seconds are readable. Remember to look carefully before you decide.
6:02
